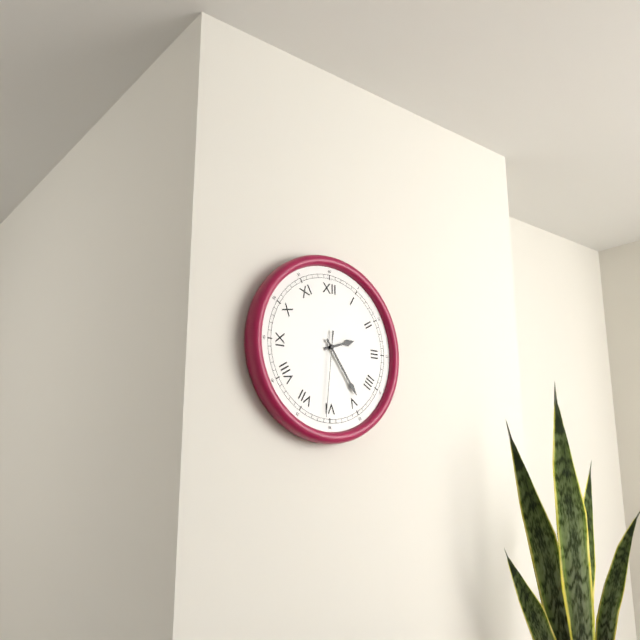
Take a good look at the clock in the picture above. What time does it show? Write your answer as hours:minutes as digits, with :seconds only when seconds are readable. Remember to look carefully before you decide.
2:24:31
